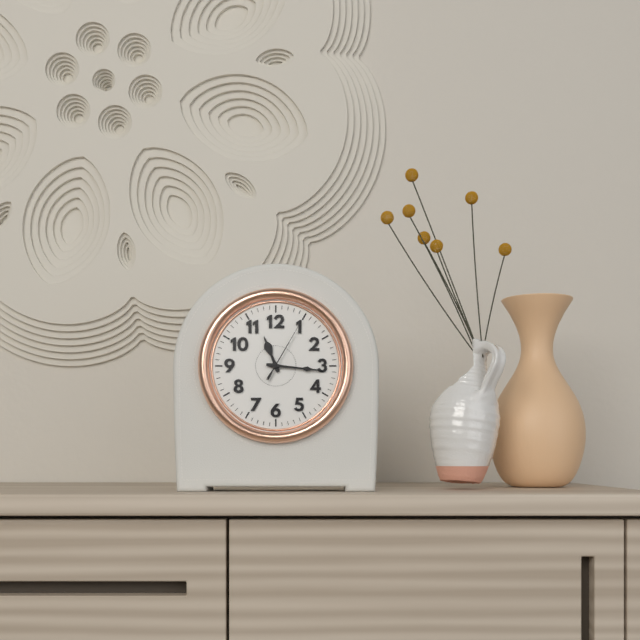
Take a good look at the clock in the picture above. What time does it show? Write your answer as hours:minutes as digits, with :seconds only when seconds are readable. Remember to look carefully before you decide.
11:16:05
